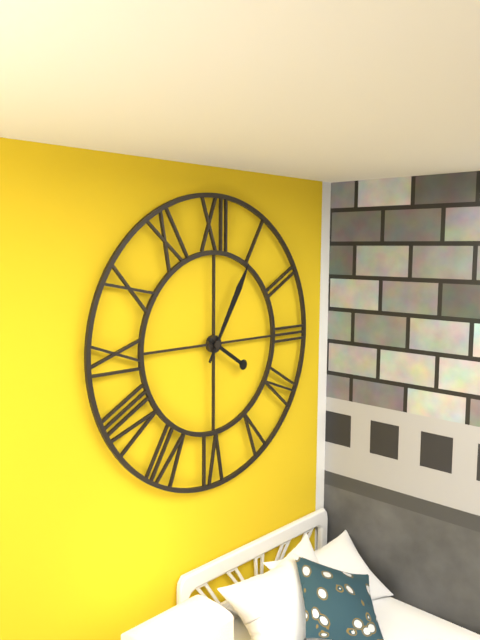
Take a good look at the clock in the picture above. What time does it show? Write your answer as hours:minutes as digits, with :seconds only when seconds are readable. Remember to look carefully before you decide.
4:05
